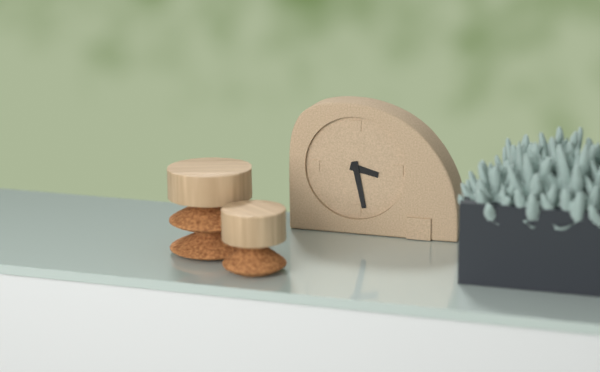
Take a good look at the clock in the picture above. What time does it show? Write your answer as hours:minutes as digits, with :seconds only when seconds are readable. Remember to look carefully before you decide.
3:28
